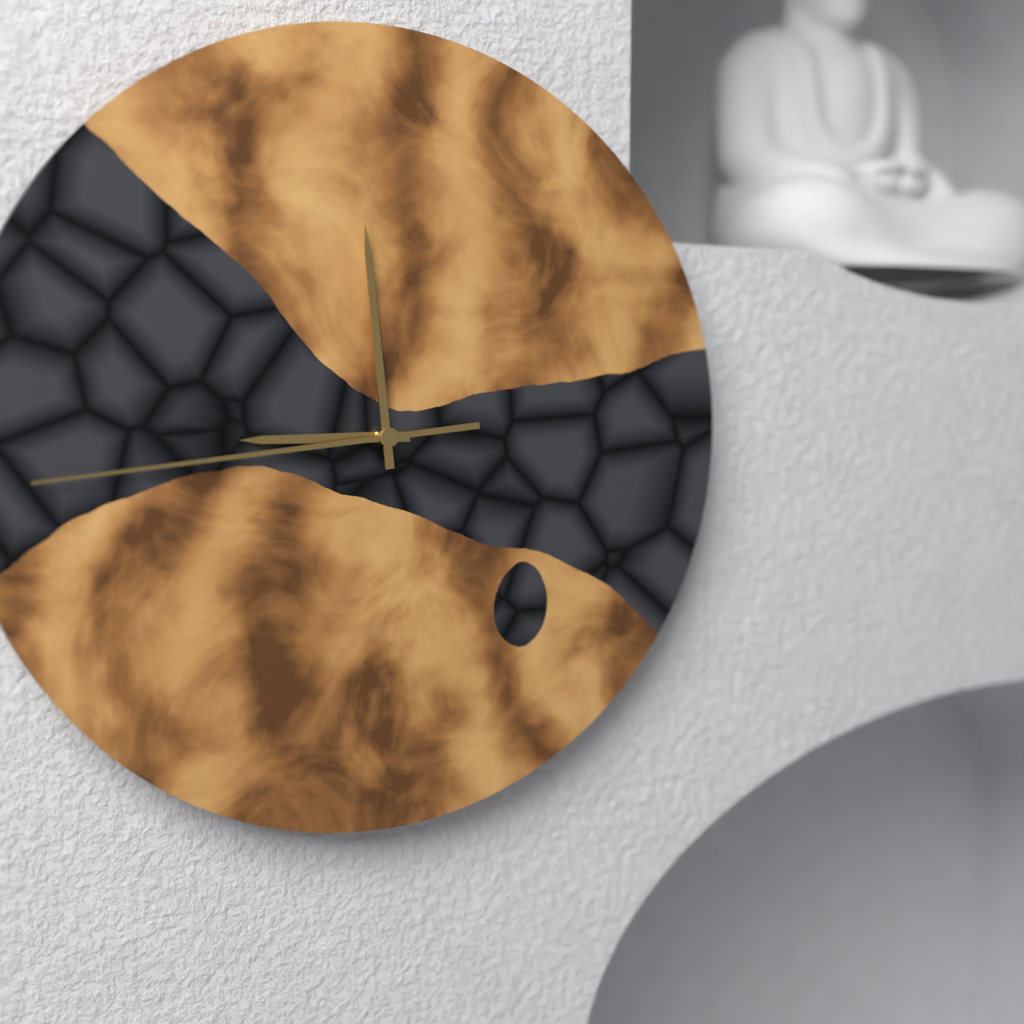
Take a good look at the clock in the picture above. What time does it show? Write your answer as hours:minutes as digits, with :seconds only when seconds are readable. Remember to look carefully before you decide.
8:59:44
